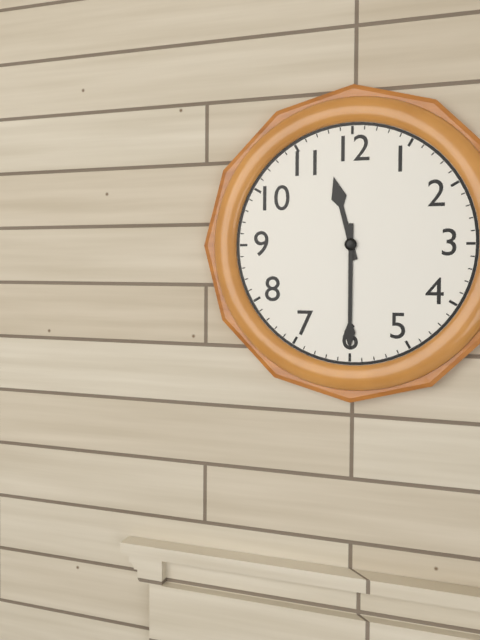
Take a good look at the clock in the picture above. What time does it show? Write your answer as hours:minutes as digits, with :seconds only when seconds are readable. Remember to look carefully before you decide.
11:30
